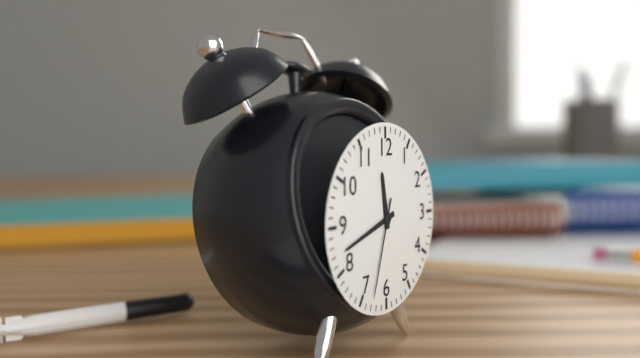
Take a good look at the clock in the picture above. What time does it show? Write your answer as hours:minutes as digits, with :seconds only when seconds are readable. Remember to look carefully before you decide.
11:42:33
